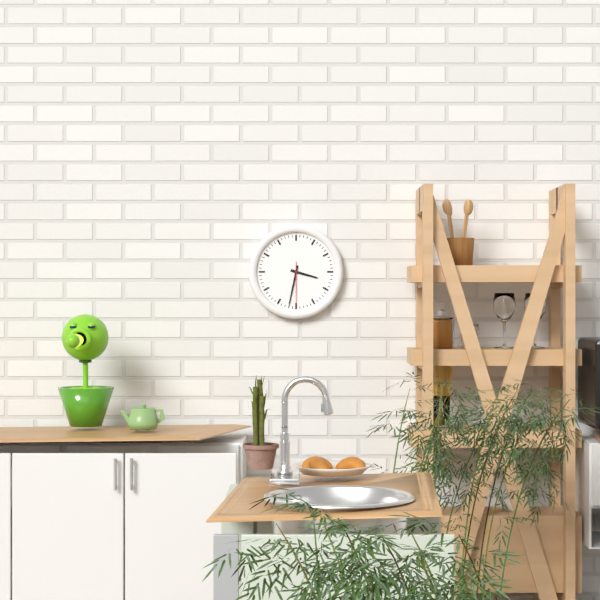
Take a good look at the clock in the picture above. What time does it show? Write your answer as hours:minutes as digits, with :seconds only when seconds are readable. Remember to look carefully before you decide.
3:32
